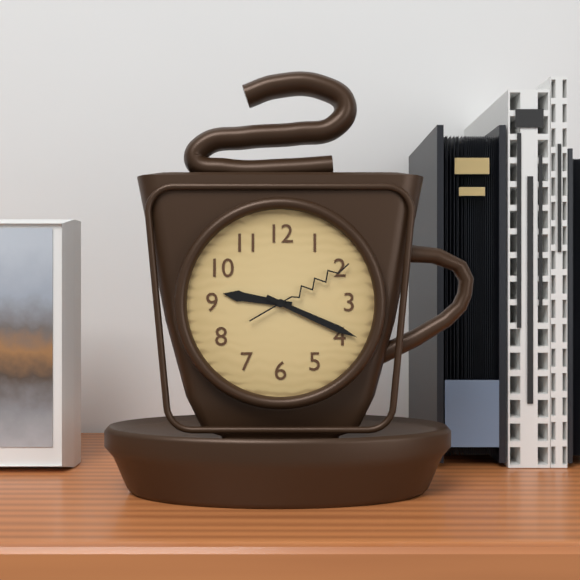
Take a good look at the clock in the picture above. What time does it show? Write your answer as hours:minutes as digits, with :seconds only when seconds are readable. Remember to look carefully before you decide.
9:19:10
